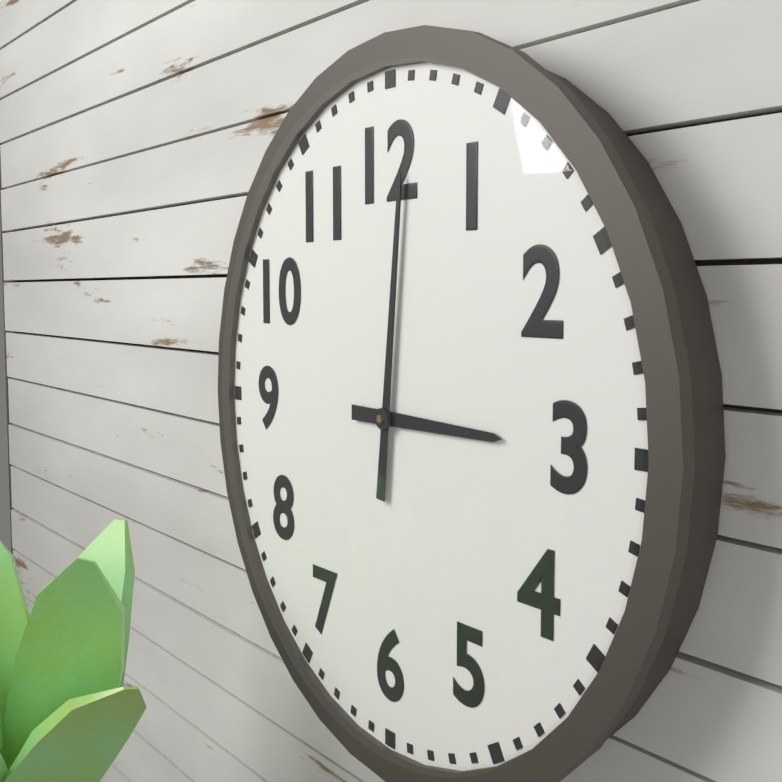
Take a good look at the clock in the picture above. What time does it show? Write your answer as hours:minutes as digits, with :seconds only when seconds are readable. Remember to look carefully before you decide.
3:01
